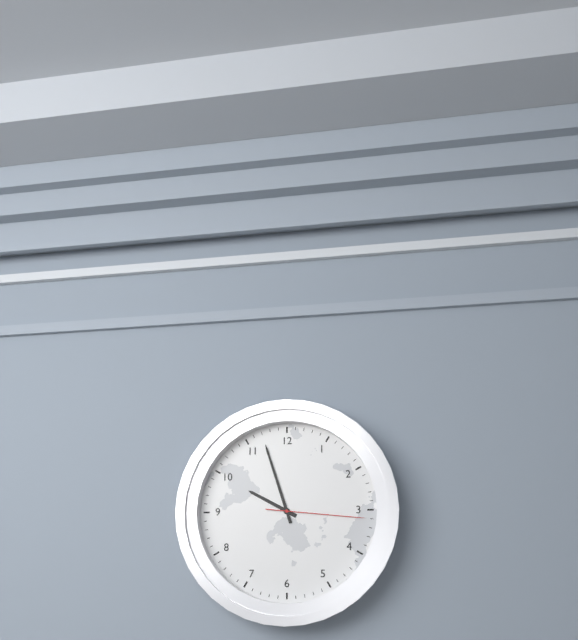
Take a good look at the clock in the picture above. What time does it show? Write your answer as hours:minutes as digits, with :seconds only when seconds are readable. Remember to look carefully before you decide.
9:57:16
